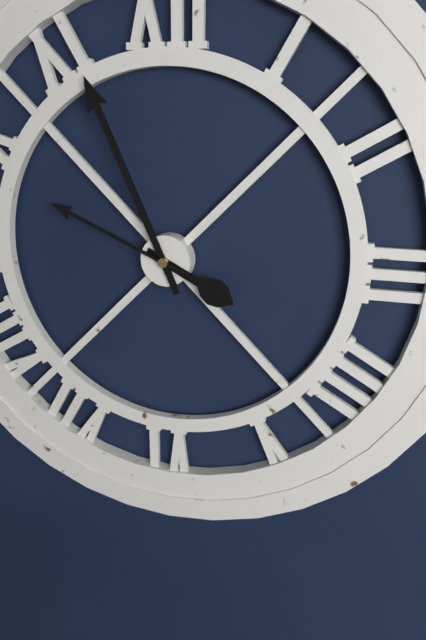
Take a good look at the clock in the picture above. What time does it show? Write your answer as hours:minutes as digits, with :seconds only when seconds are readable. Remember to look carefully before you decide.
3:56:49
